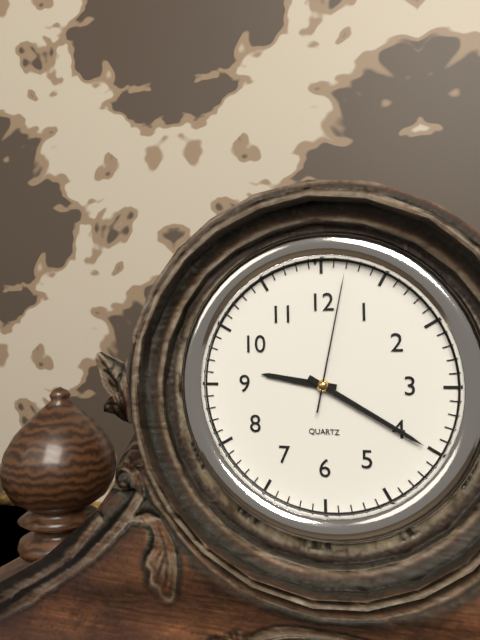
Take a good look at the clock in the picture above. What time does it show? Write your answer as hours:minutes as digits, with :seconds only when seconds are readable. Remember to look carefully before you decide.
9:20:02
